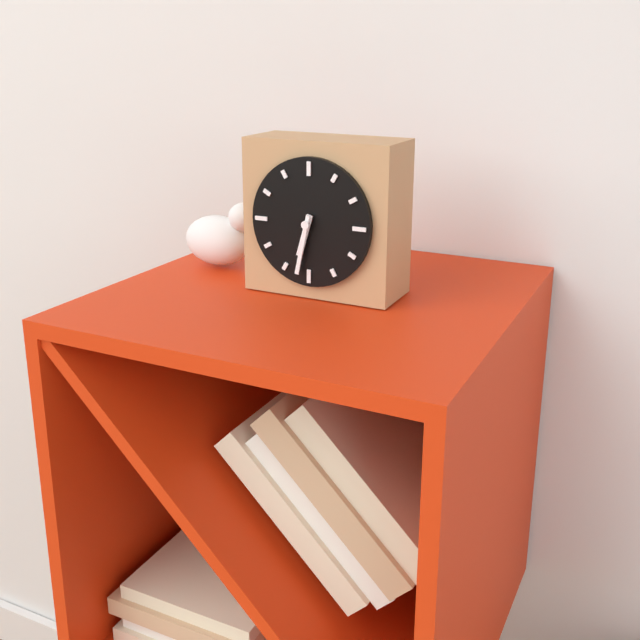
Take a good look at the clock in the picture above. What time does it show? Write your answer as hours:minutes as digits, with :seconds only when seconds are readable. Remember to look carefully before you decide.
6:32
